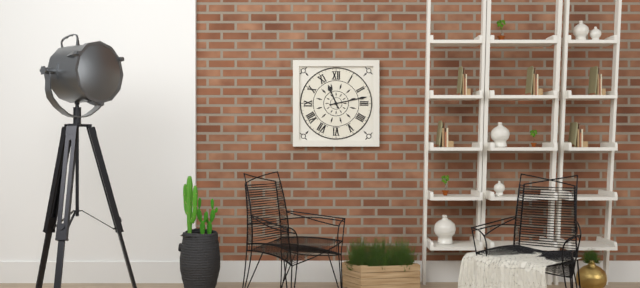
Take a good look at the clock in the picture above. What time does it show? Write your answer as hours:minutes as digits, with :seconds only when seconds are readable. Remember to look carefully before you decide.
11:13
